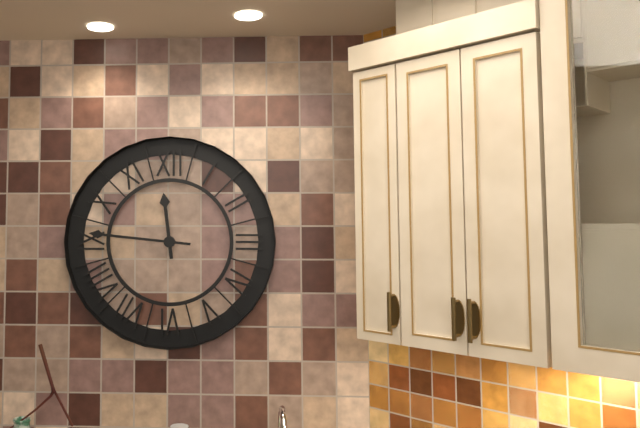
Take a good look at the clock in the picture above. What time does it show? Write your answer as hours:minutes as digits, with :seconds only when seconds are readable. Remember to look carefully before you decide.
11:46
